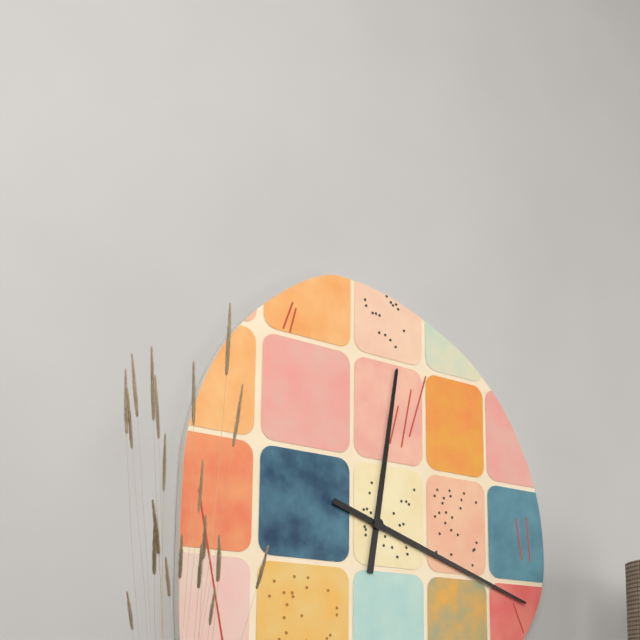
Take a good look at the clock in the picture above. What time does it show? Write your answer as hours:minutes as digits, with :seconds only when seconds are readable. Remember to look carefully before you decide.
12:18
